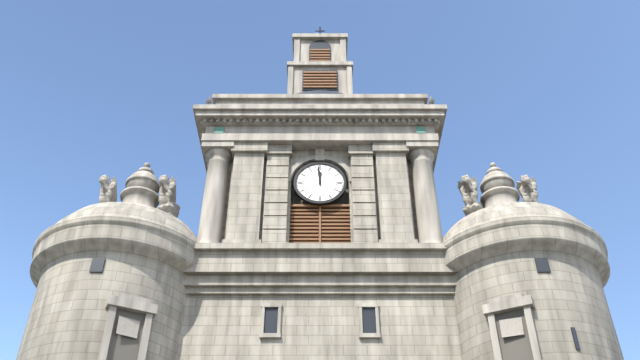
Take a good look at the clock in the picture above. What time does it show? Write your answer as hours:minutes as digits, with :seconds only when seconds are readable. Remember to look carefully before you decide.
11:59
